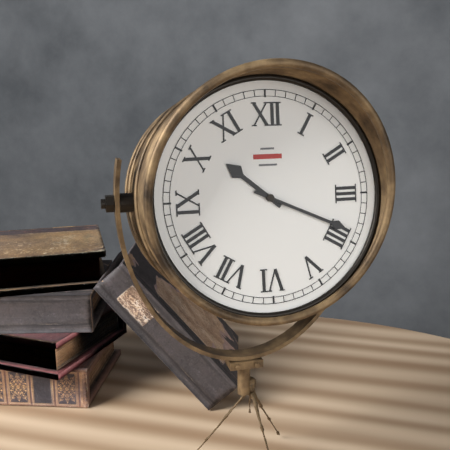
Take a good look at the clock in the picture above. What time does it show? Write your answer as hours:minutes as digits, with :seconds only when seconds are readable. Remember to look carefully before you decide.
10:19
